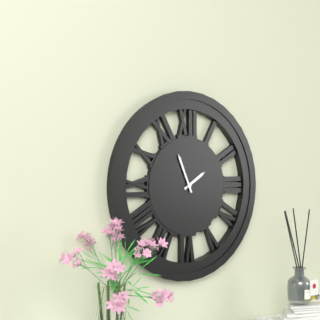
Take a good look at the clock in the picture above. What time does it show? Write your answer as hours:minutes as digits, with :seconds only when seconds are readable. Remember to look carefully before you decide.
1:56
